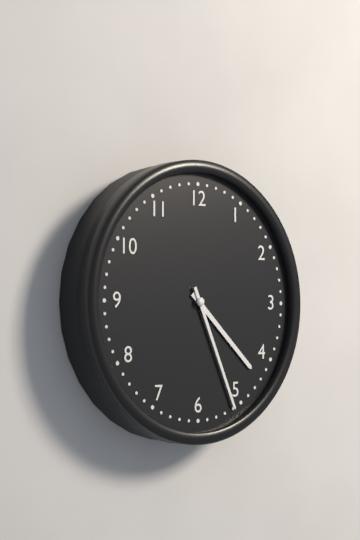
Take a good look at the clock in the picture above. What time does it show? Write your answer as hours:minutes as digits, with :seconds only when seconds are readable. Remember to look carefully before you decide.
4:26
